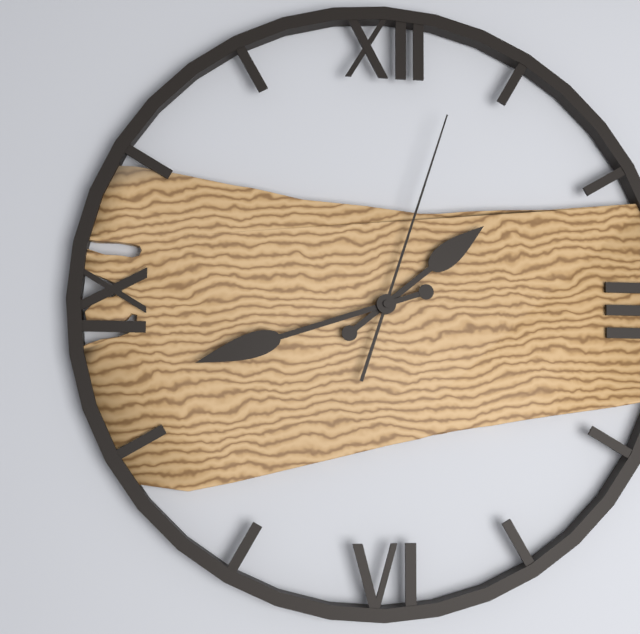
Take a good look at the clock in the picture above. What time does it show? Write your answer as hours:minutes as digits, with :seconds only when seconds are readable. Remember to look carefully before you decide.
1:42:03
